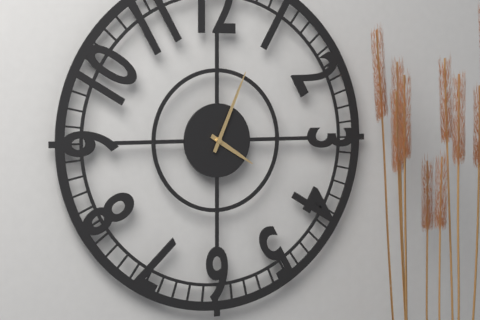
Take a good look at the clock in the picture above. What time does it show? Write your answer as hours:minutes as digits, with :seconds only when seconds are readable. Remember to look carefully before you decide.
4:04
